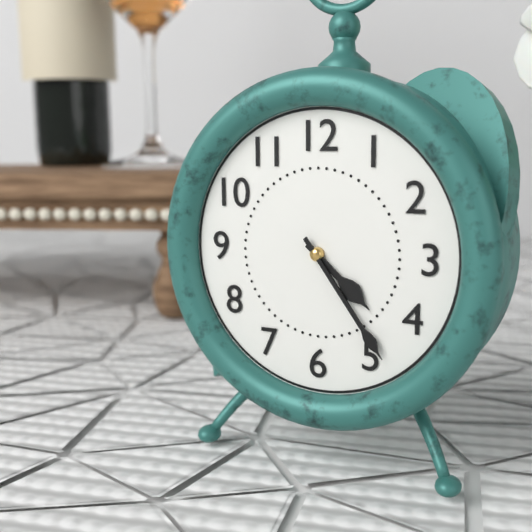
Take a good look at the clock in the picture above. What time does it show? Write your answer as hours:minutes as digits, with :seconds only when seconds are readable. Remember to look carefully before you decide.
4:24
